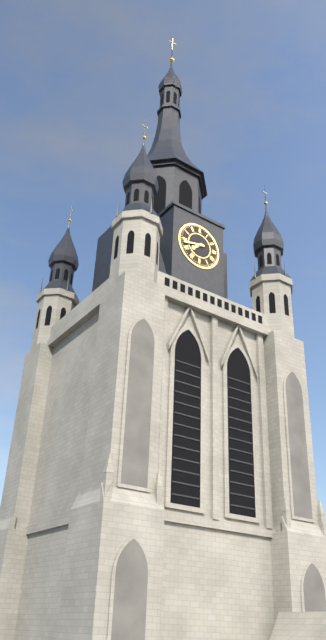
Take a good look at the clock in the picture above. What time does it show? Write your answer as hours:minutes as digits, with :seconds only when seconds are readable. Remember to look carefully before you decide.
7:43
